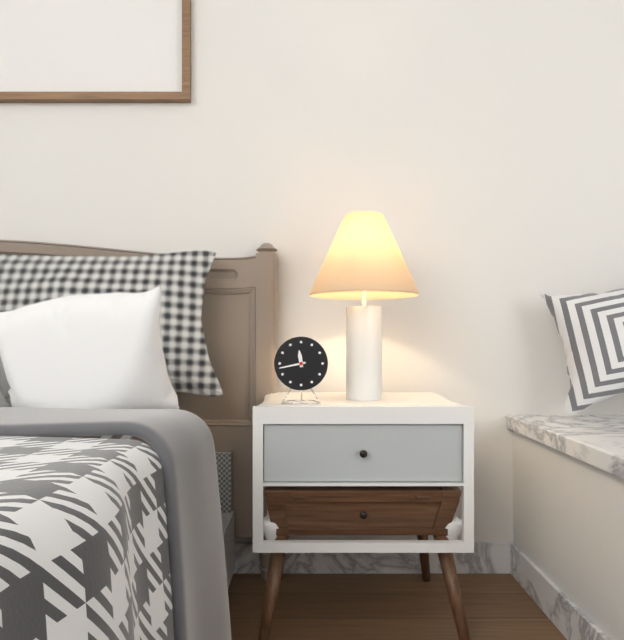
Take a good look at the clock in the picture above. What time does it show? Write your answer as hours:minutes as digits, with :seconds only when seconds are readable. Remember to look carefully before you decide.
11:43
